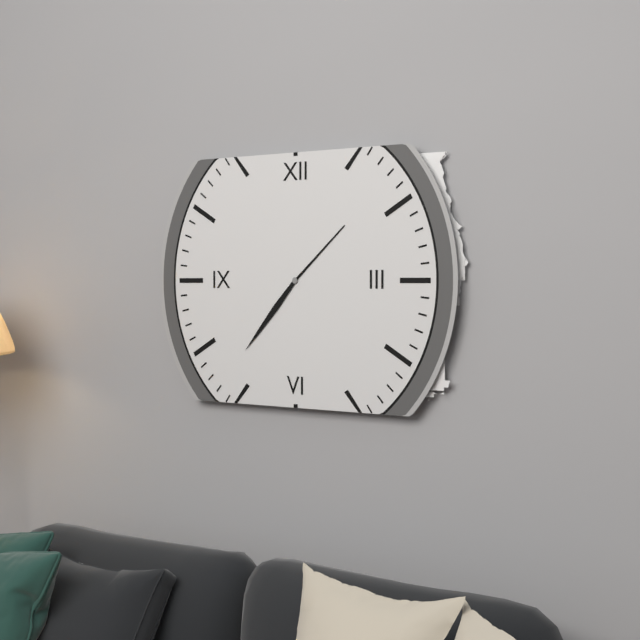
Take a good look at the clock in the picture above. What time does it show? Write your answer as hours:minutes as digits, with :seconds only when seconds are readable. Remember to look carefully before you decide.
1:37
